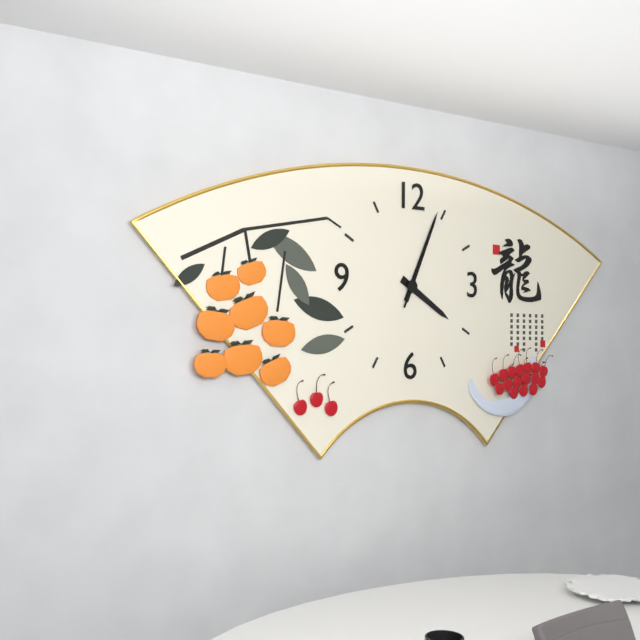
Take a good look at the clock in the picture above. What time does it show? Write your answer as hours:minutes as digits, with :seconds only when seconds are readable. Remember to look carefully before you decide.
4:04:04
